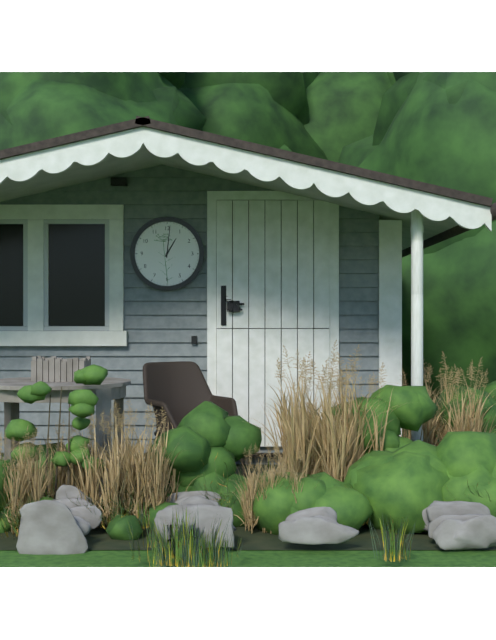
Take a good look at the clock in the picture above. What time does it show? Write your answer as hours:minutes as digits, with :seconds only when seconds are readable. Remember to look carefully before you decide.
1:01
